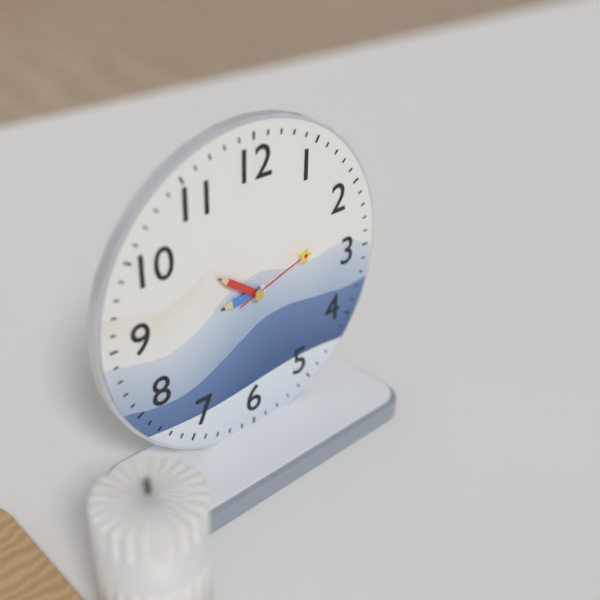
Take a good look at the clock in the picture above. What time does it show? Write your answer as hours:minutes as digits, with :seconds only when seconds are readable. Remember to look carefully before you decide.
8:51:12
